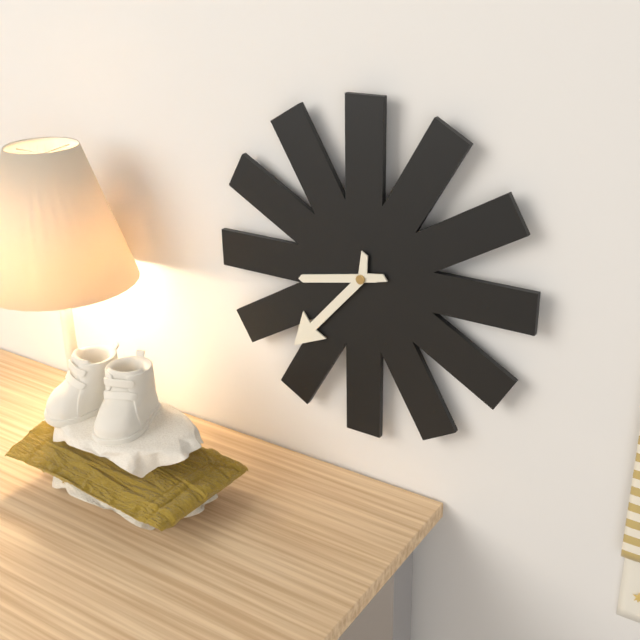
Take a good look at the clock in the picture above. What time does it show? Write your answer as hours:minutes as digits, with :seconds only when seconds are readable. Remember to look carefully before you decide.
8:37
